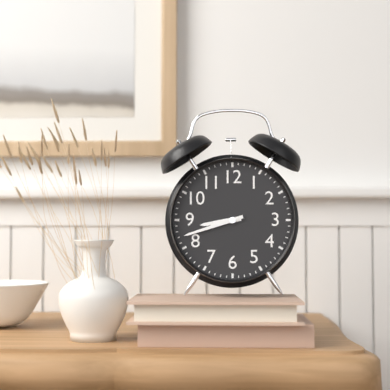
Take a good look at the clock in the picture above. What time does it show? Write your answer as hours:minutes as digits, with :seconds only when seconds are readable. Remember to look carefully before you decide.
8:42
